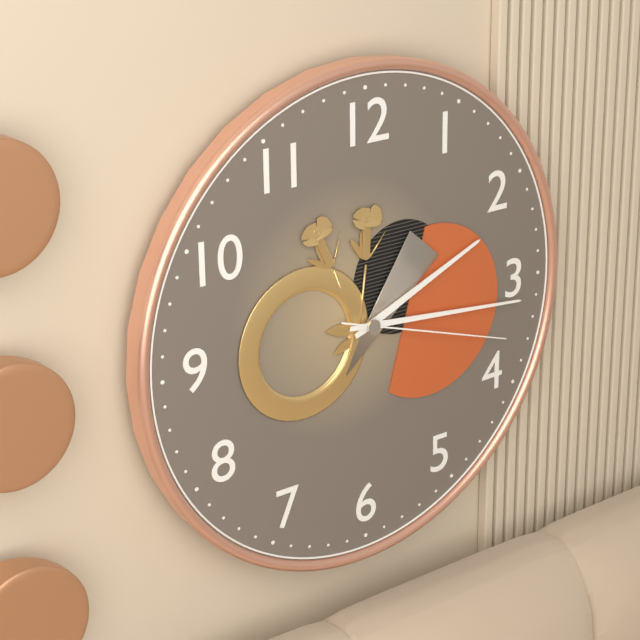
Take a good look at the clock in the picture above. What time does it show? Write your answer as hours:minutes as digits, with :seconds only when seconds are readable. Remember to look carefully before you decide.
2:16:18
